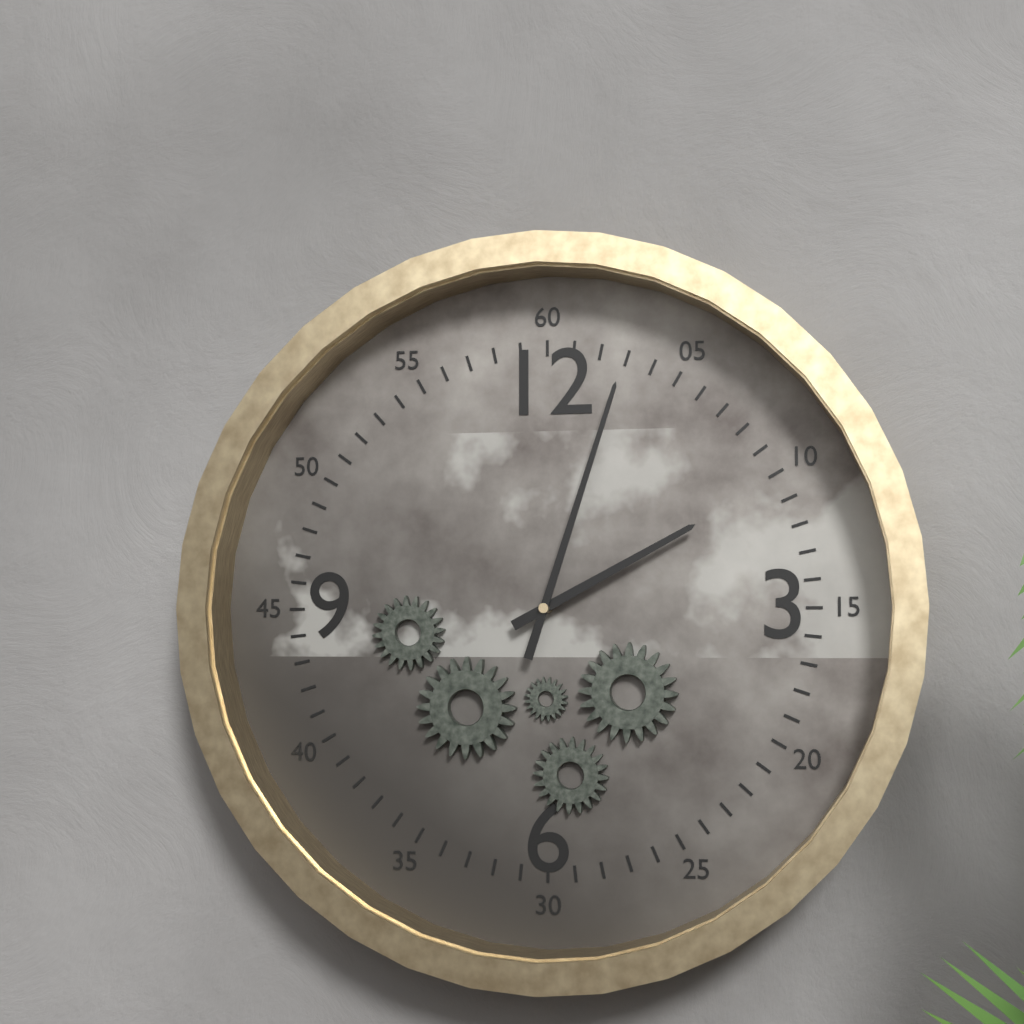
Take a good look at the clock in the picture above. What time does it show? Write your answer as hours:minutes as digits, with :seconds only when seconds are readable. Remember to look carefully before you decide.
2:03
